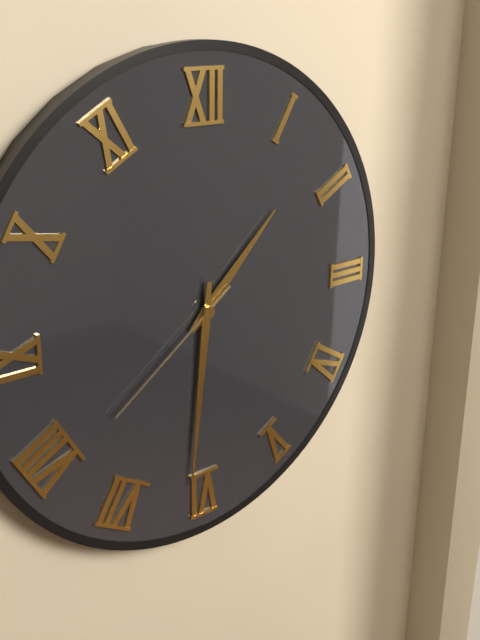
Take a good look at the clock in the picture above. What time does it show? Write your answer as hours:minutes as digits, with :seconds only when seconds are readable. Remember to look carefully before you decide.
1:31:39
